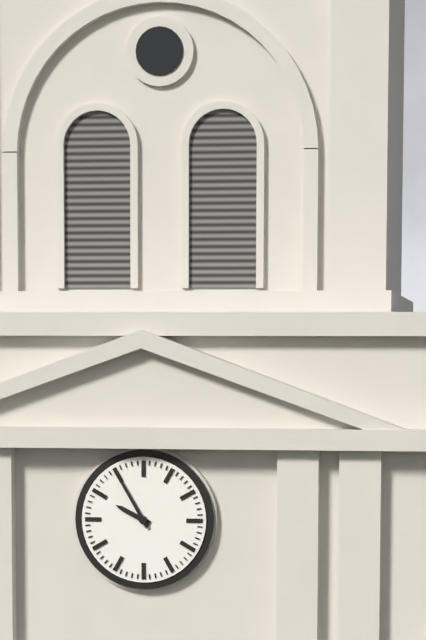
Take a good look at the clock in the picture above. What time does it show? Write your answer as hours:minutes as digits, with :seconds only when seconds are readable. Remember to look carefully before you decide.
9:55
